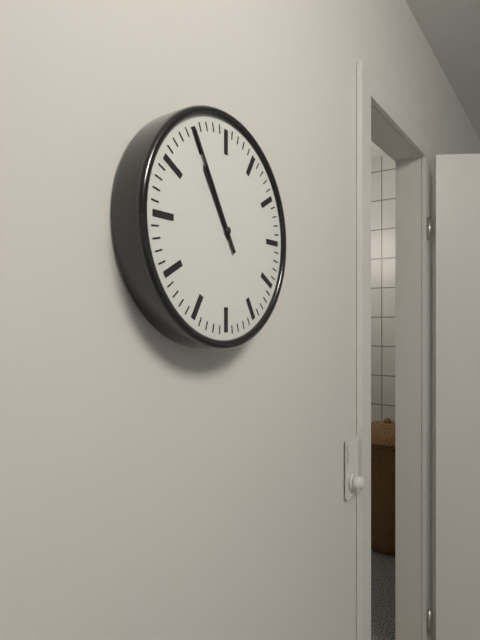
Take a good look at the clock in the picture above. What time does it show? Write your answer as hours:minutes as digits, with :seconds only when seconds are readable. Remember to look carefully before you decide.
10:55
